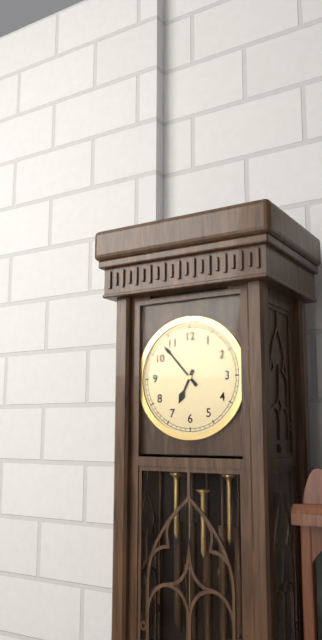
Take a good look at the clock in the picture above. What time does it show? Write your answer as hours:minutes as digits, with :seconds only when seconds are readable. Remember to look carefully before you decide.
6:53
